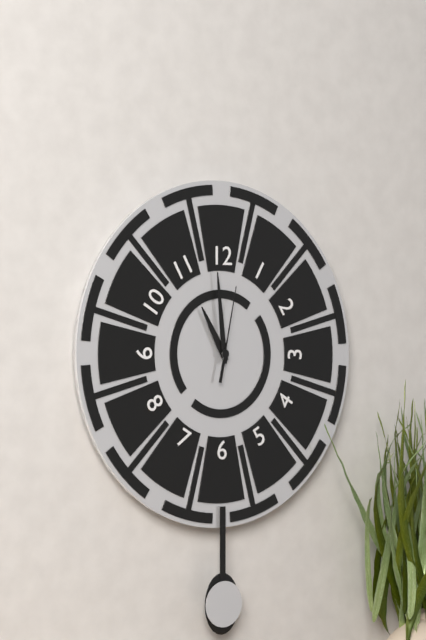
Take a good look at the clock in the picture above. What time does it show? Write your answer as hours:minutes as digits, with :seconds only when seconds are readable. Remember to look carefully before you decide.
10:59:02
